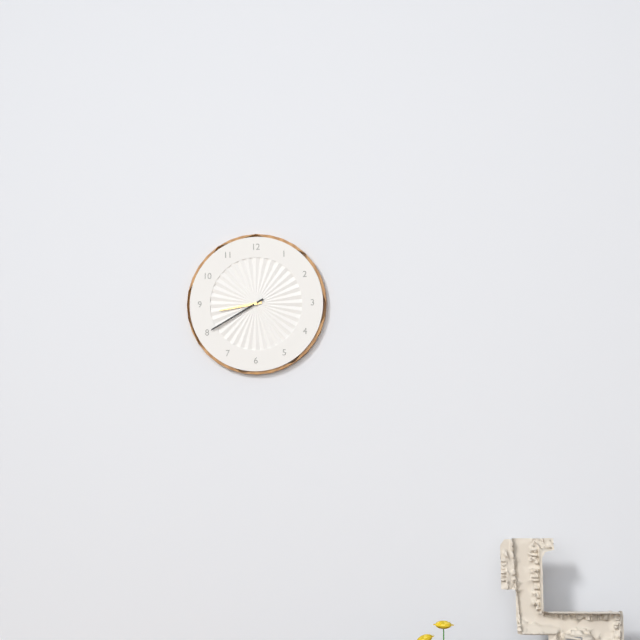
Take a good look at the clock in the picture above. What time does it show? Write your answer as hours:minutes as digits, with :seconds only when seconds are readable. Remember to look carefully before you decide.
8:40
